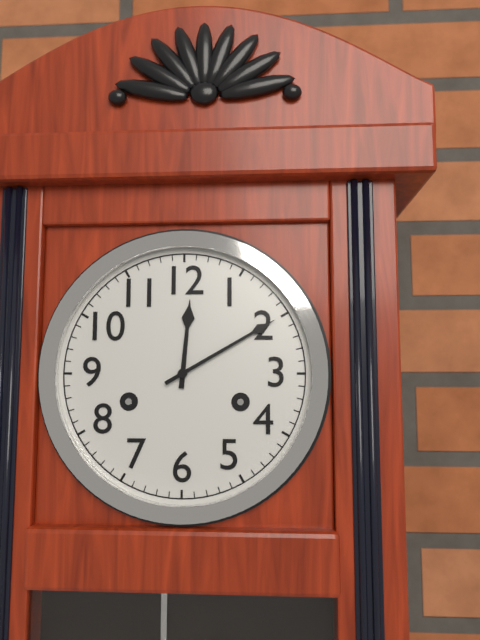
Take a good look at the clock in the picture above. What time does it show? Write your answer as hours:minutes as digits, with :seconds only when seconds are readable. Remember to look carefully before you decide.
12:10
